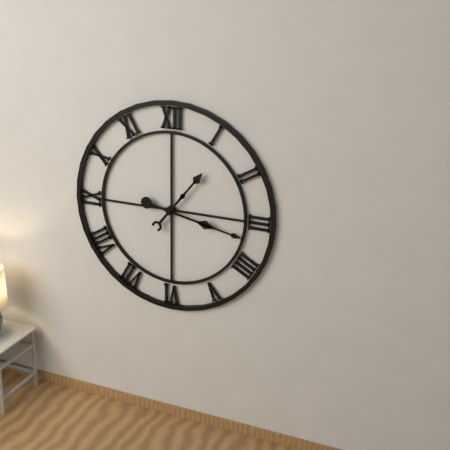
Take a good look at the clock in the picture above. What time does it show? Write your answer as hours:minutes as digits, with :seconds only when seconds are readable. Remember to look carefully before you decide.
1:17
